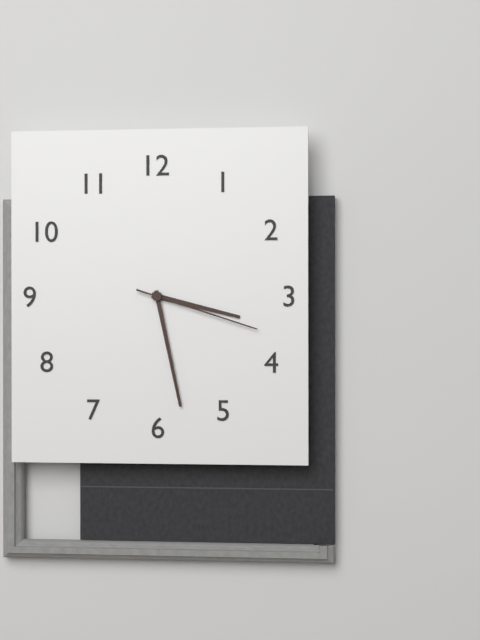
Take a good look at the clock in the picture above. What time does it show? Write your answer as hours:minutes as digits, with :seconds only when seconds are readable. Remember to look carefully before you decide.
3:28:18
